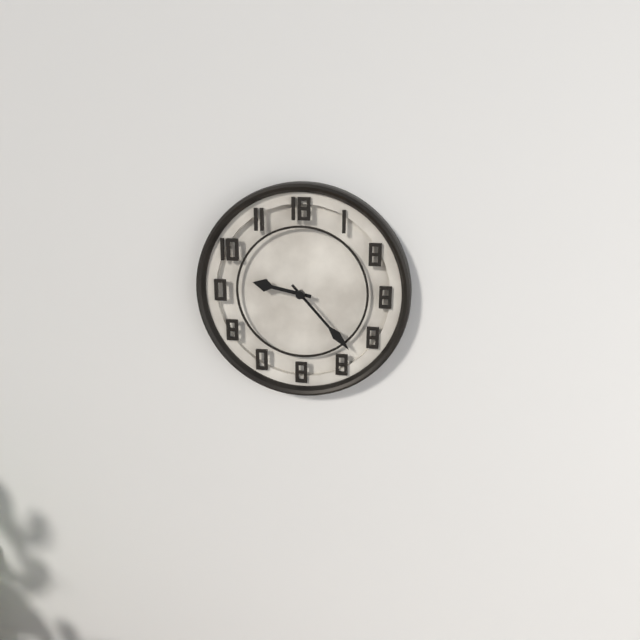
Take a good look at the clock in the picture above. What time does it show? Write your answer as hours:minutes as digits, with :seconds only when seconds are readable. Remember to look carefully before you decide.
9:23
